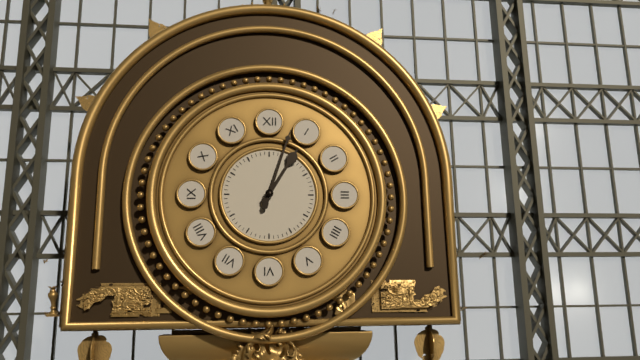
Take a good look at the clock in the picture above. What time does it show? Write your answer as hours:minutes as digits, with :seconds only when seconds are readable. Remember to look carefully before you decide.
1:03
